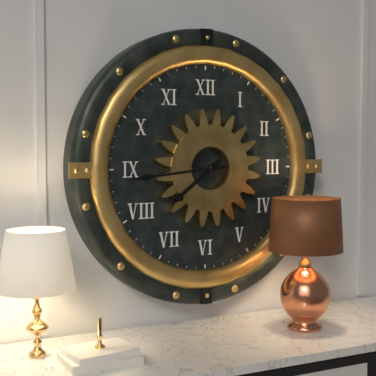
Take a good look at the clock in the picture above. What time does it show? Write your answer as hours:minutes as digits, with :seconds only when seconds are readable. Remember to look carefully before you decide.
7:44
